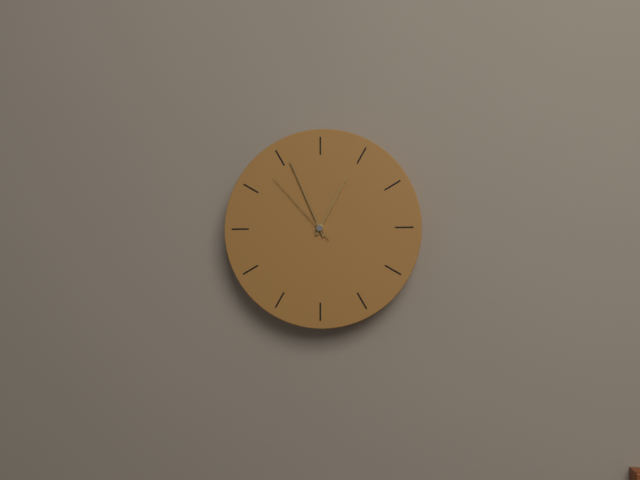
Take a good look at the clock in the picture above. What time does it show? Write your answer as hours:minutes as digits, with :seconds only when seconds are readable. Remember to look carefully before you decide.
12:56:53
